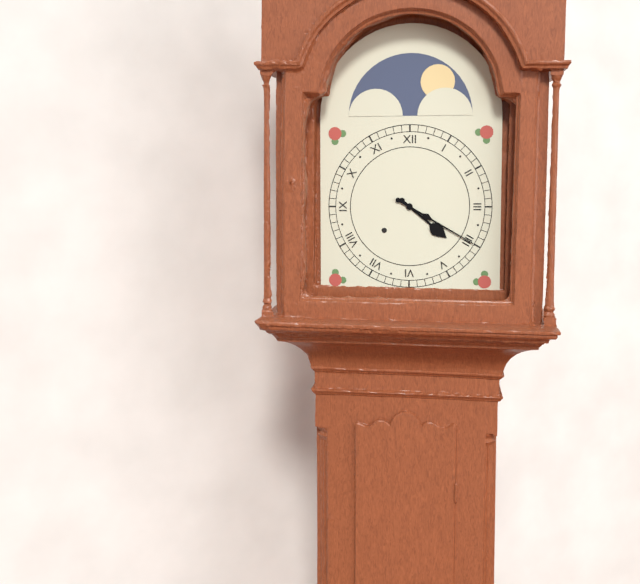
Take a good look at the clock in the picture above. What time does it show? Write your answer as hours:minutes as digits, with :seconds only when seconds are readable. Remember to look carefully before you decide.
4:20
